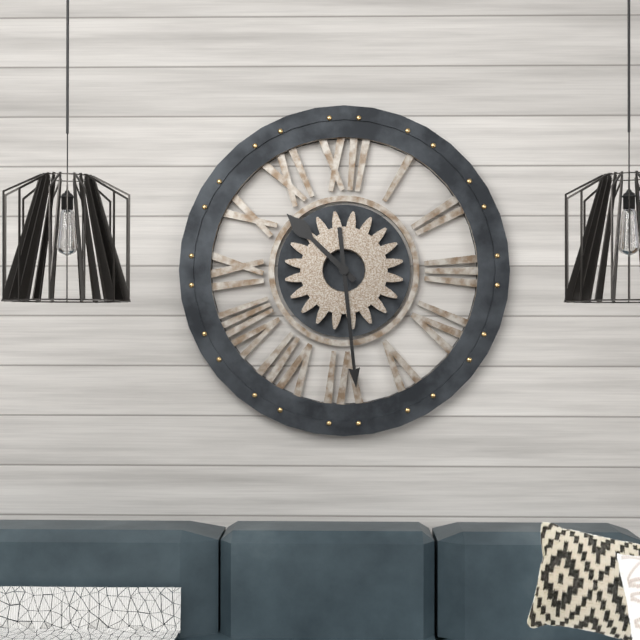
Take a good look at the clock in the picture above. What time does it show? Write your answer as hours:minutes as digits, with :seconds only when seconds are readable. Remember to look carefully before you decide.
10:29
